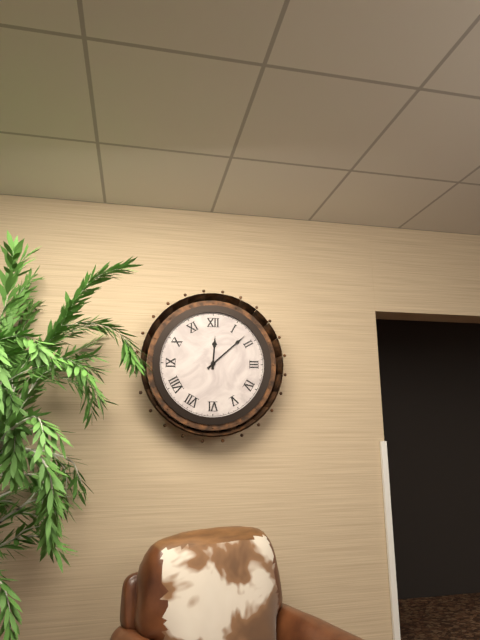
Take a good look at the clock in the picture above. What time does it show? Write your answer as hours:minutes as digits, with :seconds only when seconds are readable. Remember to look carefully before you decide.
12:08
